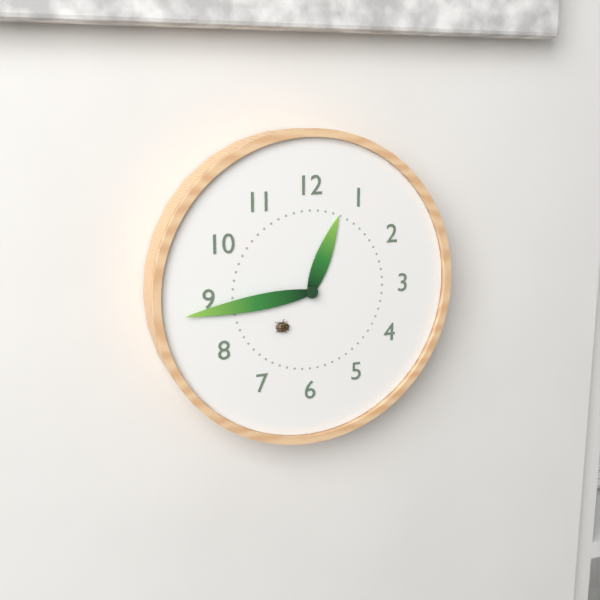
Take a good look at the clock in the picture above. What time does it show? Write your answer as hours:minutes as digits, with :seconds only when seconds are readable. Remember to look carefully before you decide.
12:44
